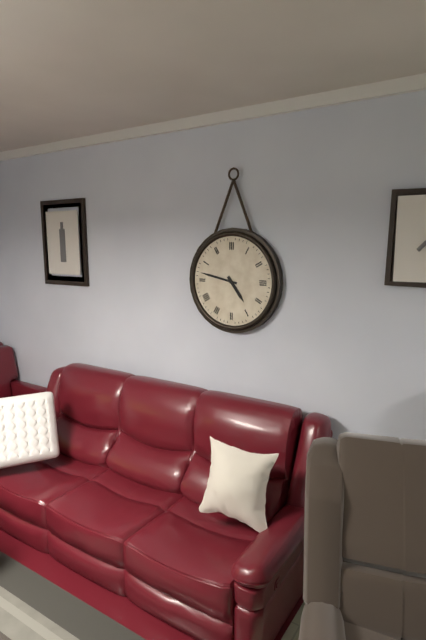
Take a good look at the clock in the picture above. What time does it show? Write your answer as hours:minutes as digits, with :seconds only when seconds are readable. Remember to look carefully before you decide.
4:47
